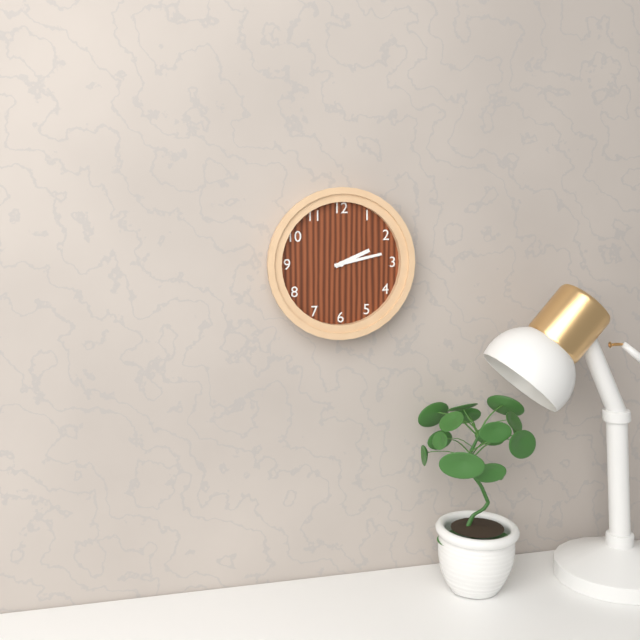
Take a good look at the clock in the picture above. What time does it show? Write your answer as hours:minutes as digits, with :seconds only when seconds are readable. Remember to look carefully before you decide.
2:13
